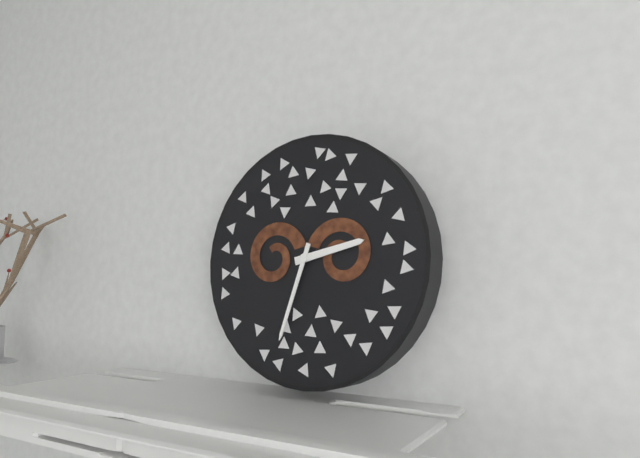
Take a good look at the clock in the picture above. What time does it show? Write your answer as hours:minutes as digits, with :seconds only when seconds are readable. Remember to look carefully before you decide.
2:33
